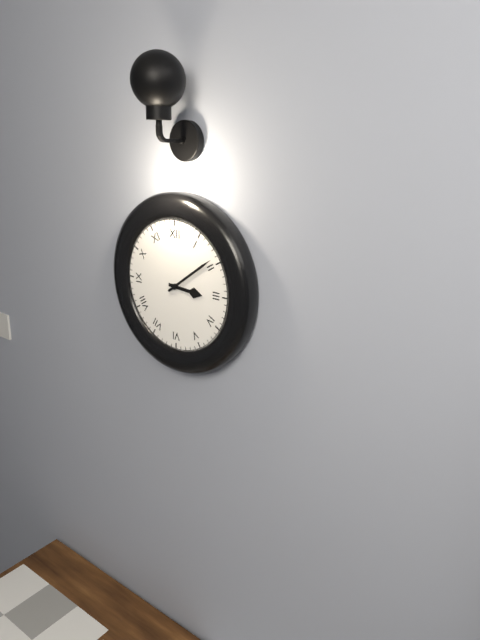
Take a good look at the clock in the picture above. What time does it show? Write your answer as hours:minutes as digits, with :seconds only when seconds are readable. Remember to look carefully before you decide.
3:09
